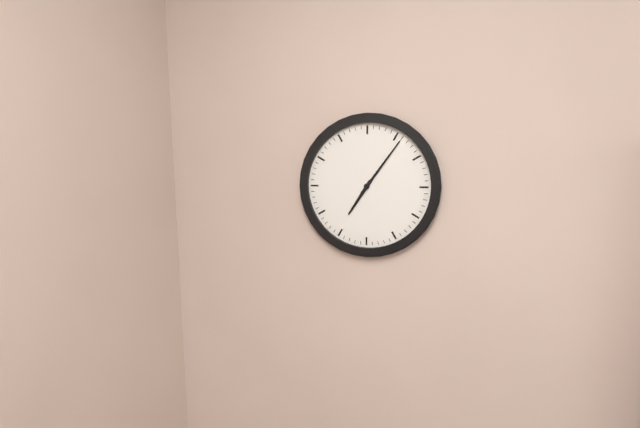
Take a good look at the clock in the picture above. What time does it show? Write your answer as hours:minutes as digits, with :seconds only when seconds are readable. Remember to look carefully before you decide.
7:06
